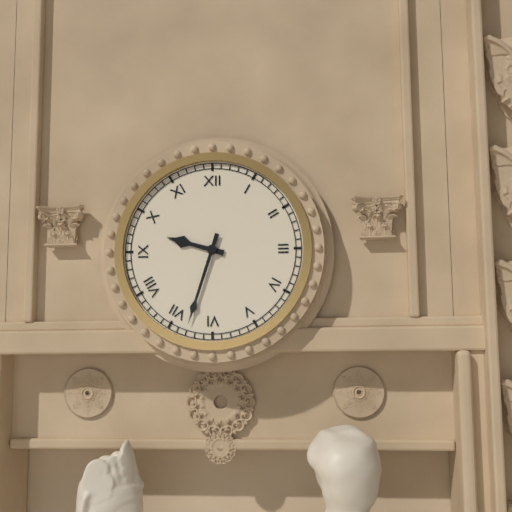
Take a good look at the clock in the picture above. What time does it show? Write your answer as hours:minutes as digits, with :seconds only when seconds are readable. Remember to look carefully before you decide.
9:33
